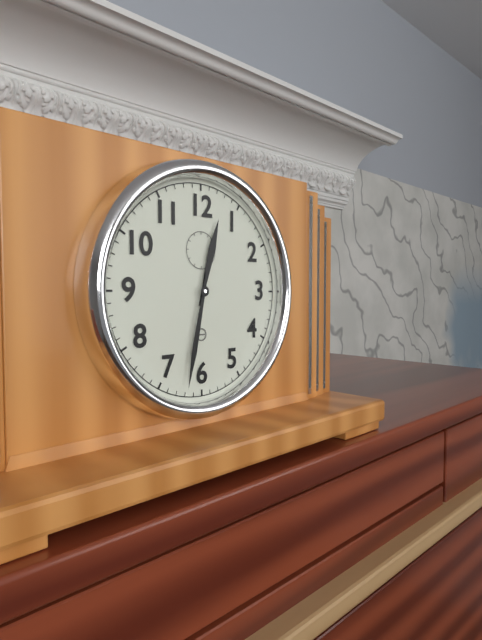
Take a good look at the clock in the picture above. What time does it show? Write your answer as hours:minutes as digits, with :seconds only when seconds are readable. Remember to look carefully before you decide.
12:32
